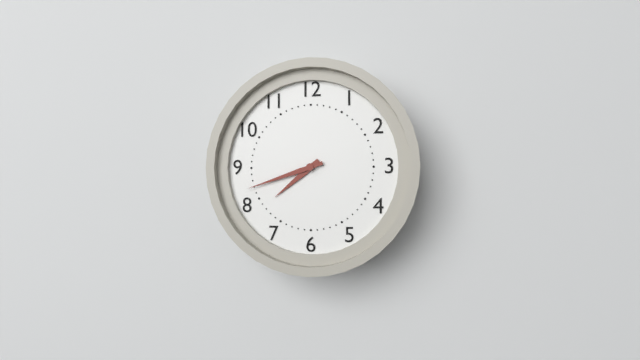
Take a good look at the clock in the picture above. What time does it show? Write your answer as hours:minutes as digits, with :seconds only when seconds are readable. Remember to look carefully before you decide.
7:42
